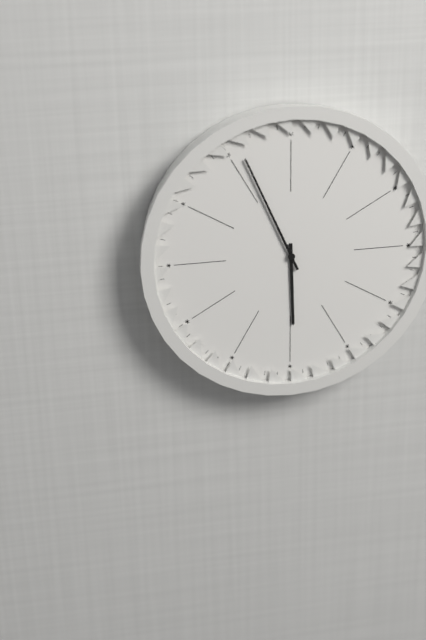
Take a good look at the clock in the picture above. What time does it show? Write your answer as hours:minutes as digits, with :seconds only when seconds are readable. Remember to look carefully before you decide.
5:56
